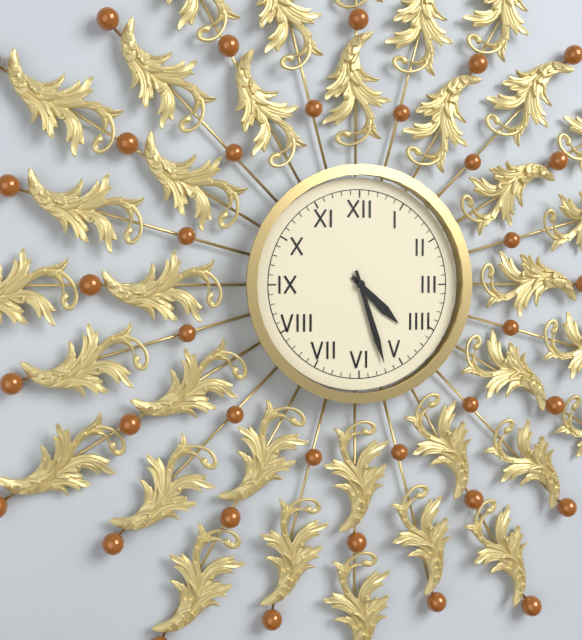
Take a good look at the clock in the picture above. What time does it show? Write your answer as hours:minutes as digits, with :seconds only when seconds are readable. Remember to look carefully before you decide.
4:27
